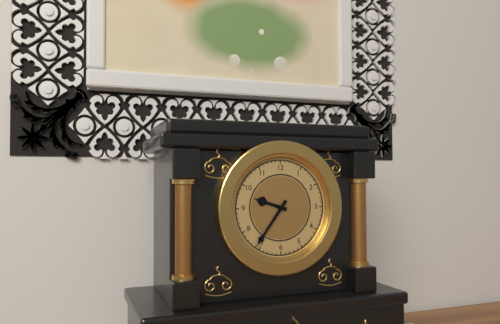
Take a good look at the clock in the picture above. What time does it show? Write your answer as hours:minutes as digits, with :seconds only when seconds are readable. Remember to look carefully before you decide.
9:36
